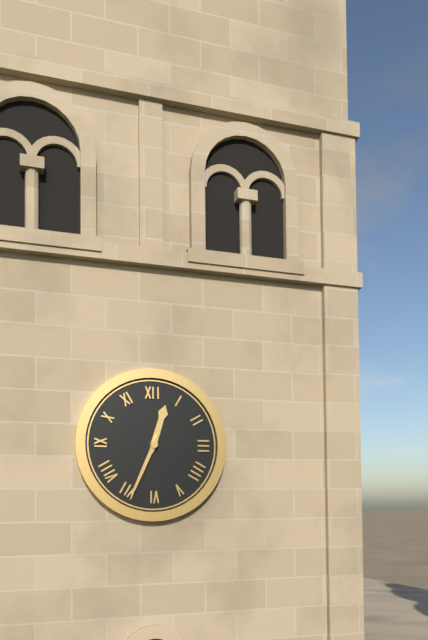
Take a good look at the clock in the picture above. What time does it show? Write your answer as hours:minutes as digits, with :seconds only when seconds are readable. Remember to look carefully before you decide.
12:34
